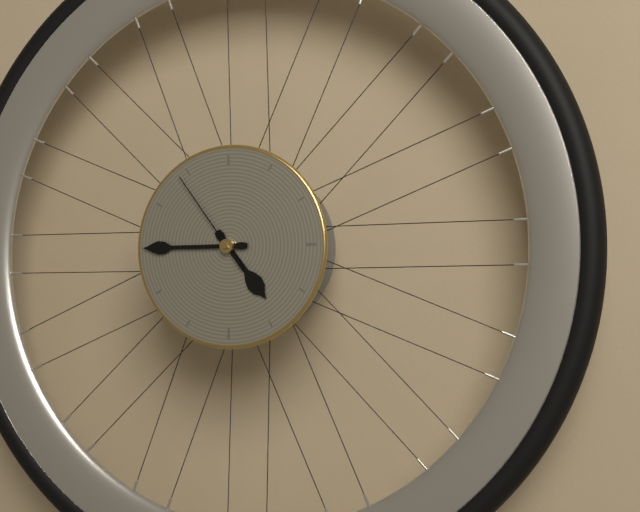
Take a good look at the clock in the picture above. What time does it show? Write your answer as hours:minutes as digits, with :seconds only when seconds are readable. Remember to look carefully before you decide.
4:45:54
